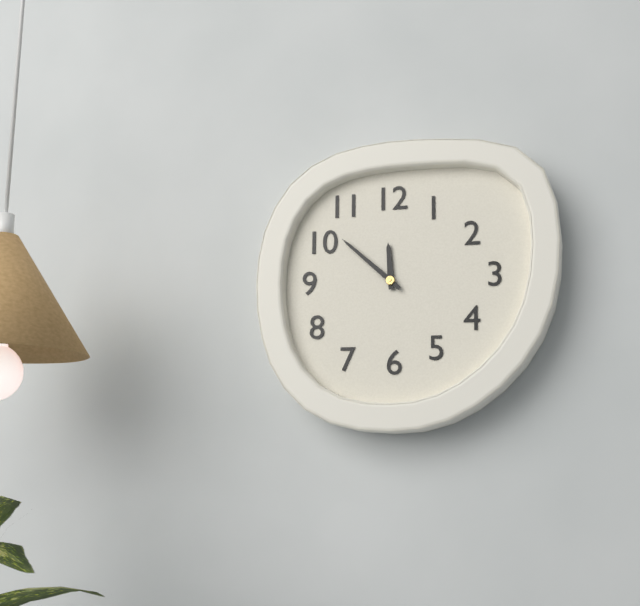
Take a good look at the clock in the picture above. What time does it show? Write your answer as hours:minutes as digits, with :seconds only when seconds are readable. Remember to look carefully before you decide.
11:52
